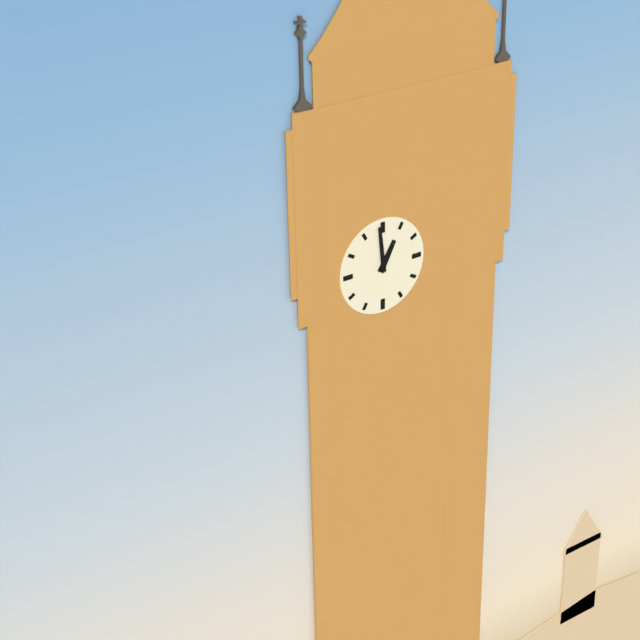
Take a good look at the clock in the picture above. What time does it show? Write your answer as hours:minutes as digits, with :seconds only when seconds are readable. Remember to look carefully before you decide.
12:59
